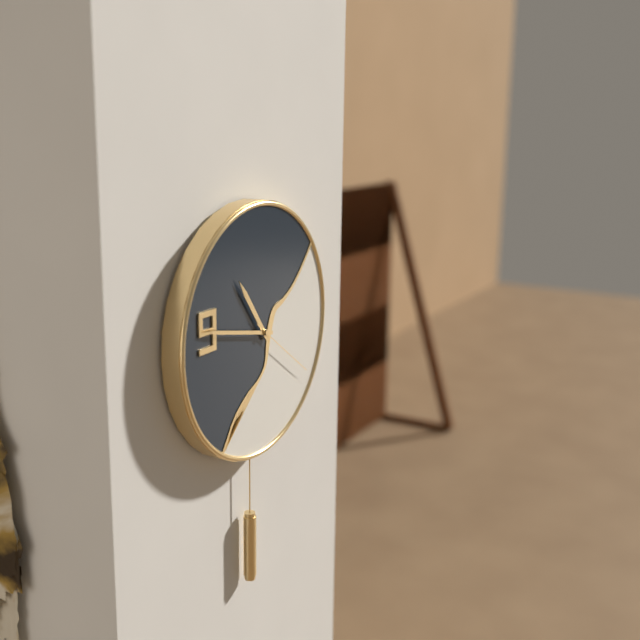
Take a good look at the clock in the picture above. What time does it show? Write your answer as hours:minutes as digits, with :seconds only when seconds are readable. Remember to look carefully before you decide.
10:47:21
